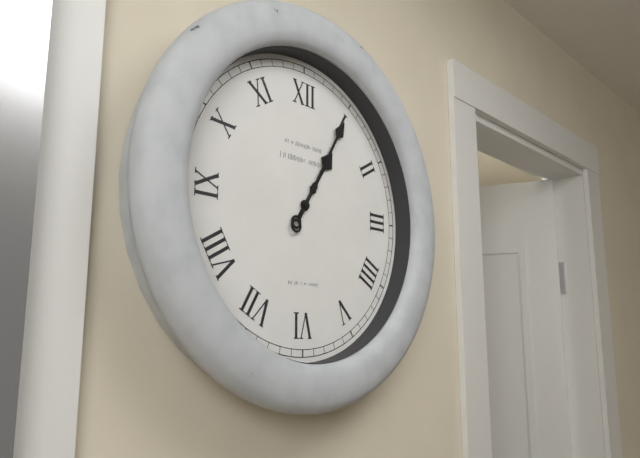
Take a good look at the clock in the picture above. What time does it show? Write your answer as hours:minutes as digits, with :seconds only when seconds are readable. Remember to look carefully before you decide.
1:05
